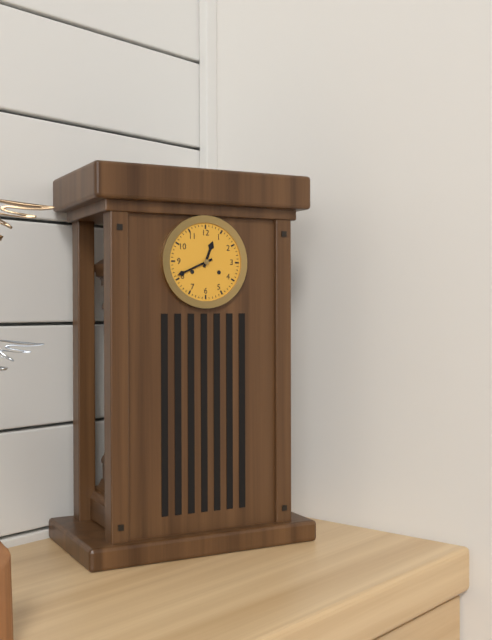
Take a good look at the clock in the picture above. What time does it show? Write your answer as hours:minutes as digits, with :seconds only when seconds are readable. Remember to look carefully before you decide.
12:41
